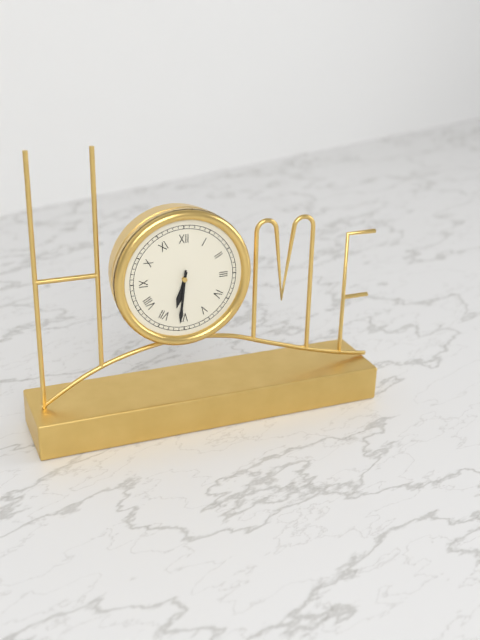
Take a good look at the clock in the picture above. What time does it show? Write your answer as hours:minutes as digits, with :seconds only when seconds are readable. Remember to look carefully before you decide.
6:31
